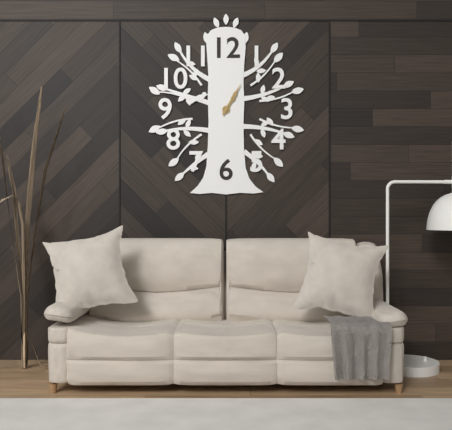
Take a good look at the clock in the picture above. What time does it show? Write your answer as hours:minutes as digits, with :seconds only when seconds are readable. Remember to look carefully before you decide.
1:05
